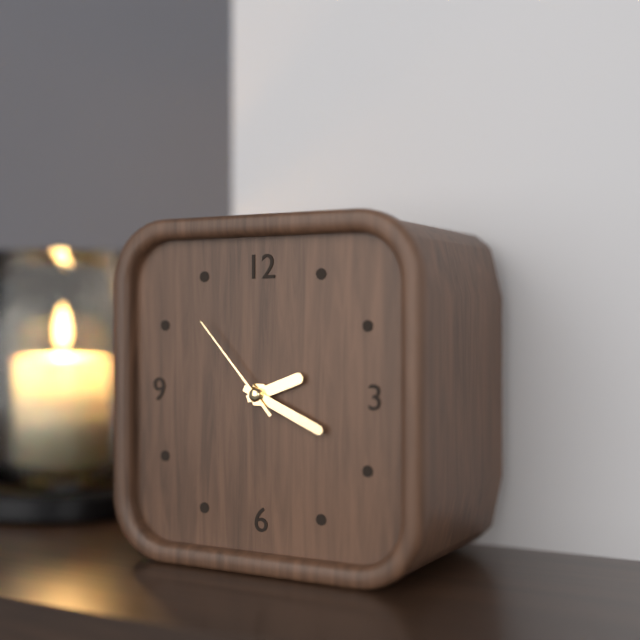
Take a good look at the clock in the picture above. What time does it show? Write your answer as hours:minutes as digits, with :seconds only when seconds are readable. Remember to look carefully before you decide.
2:19:53
